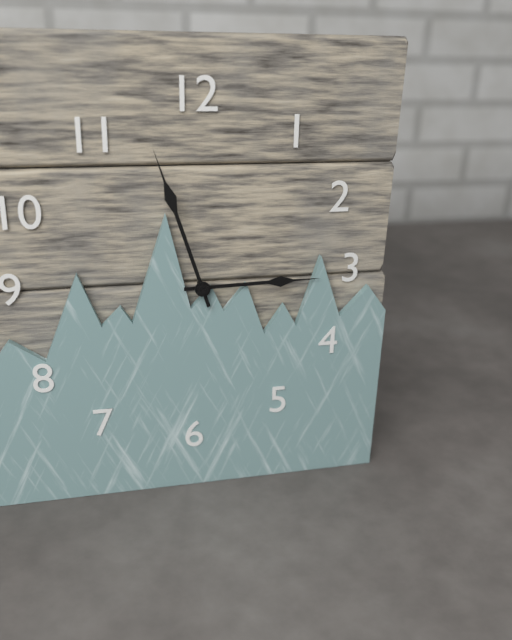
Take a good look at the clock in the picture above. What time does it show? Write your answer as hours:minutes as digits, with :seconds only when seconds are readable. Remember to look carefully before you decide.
2:57
